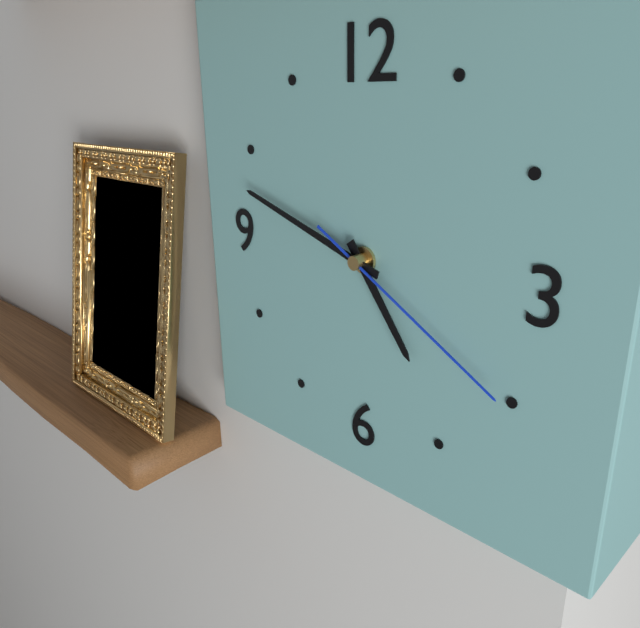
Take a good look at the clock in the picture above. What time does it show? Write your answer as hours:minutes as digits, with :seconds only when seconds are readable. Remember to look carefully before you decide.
4:48:20
